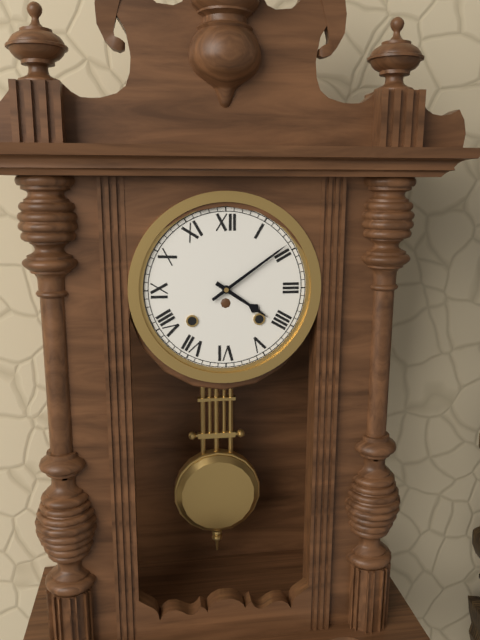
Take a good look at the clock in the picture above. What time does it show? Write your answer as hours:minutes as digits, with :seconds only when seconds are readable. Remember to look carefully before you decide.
4:09
